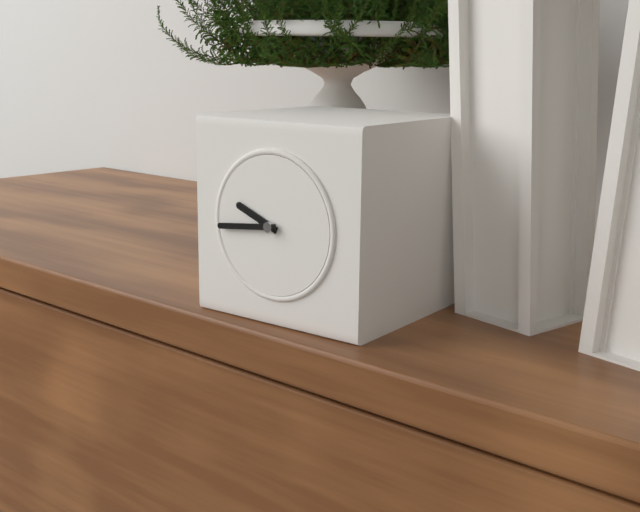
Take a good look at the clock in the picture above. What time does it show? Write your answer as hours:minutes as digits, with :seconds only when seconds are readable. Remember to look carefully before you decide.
9:44
